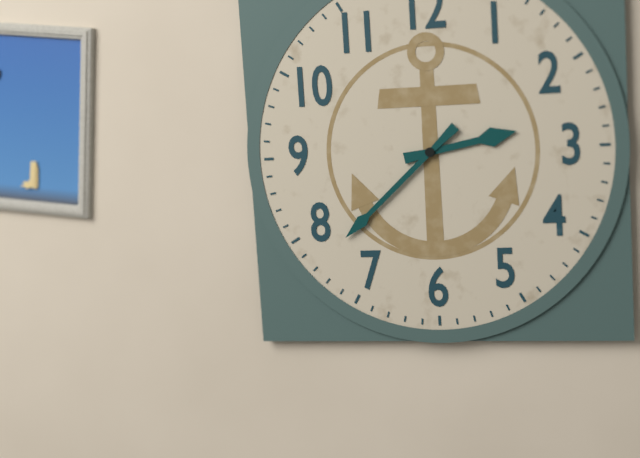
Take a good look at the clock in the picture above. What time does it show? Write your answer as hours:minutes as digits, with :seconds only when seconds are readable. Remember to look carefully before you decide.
2:38
